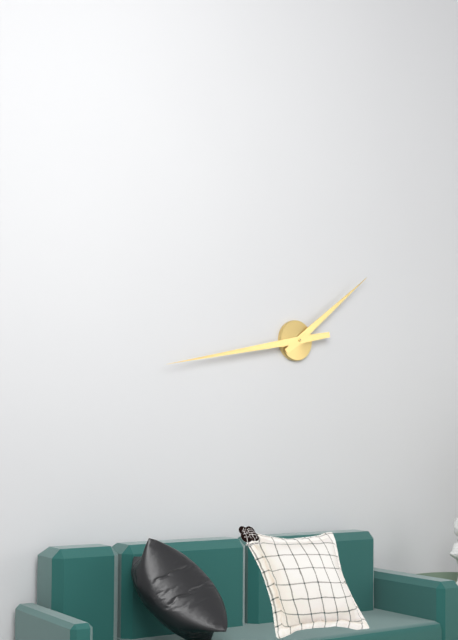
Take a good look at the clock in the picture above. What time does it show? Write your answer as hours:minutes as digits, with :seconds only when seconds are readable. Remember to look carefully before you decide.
1:43
